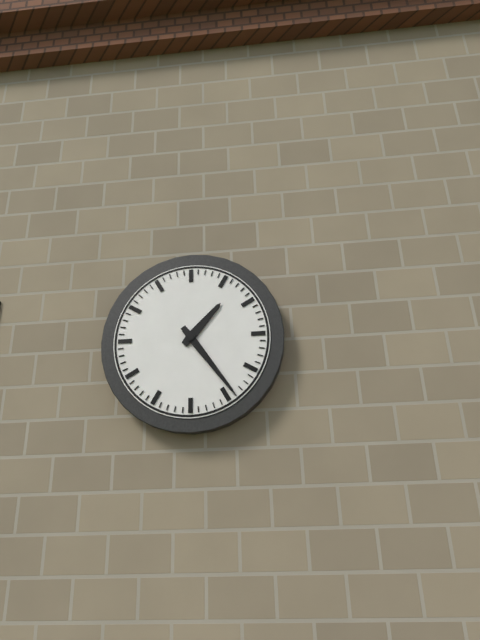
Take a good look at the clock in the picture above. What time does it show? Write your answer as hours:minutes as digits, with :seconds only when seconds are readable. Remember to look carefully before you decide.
1:24
